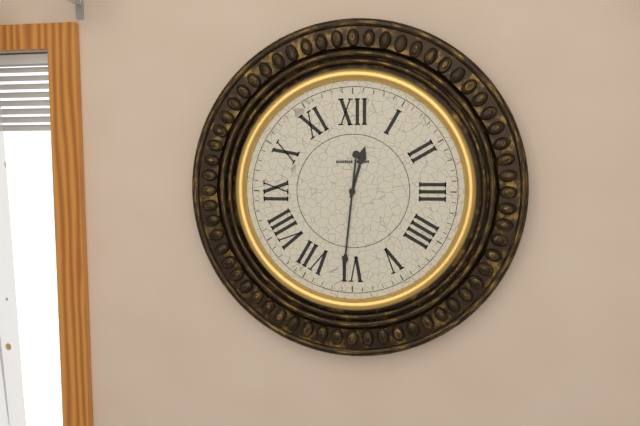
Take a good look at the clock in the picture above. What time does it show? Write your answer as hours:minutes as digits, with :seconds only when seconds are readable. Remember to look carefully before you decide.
12:31
